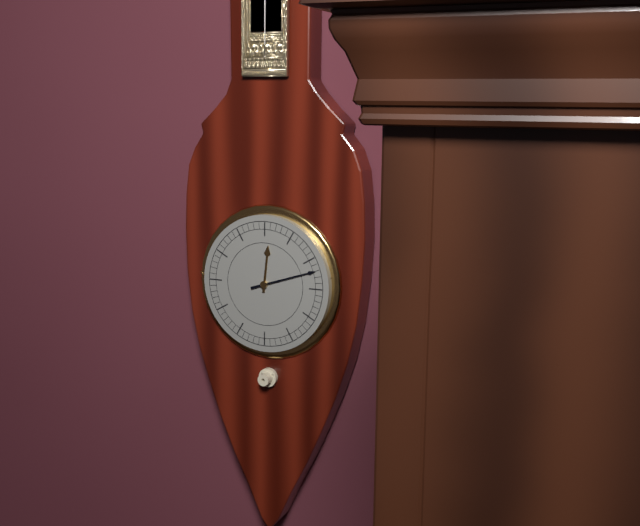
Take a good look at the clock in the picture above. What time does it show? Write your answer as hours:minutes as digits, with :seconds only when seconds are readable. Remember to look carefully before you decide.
12:12
